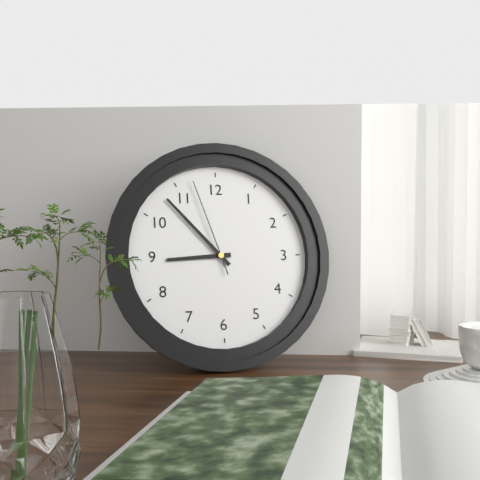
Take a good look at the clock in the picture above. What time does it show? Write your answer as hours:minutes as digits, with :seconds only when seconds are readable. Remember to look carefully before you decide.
8:53:57
